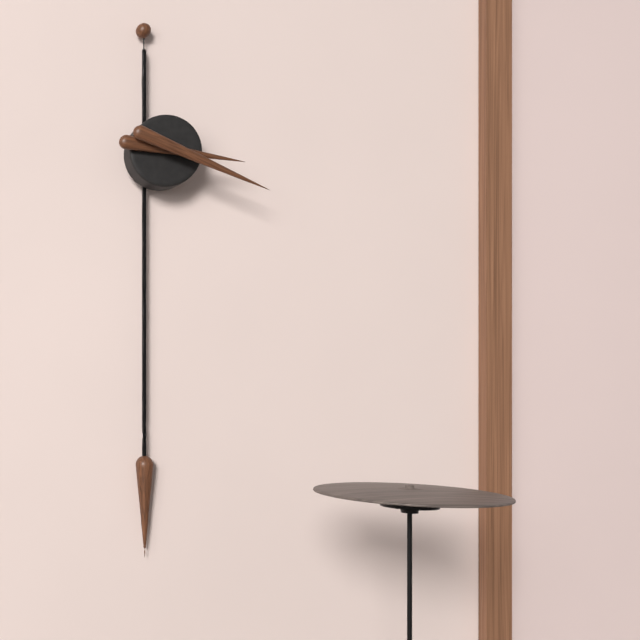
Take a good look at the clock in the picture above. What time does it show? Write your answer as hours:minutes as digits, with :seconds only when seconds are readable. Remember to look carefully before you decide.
3:19
